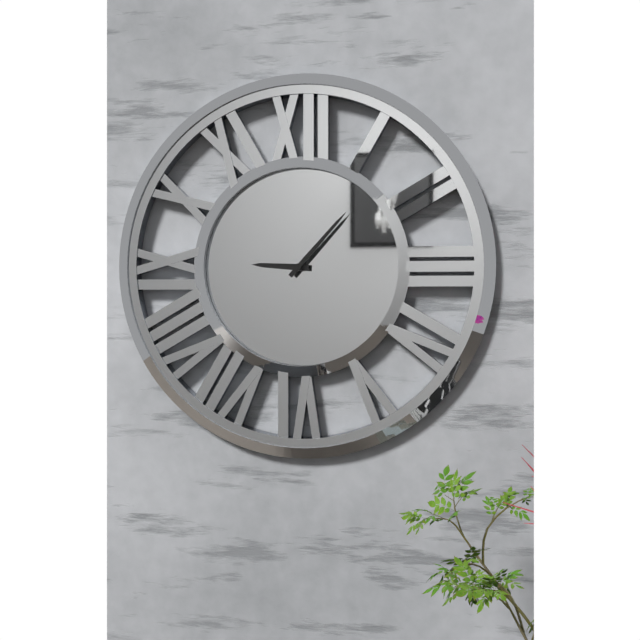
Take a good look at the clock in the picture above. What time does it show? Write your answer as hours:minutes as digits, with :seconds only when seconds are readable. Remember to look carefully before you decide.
9:07
